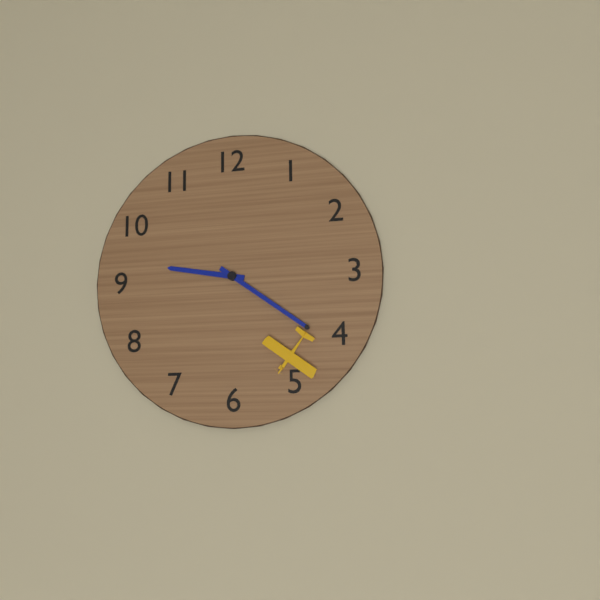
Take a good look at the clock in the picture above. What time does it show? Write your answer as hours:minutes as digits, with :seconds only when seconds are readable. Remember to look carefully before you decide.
9:21
